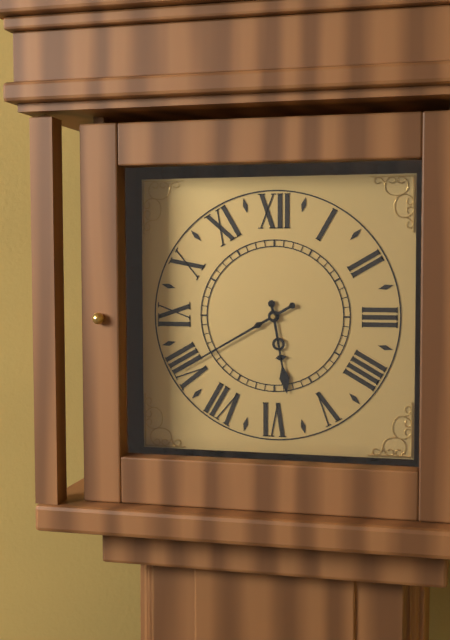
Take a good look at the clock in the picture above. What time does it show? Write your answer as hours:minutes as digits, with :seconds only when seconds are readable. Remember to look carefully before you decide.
5:40
